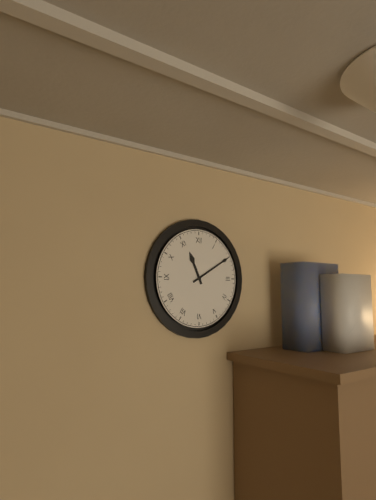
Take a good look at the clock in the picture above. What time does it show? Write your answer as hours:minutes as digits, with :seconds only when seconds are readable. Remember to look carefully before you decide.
11:10
